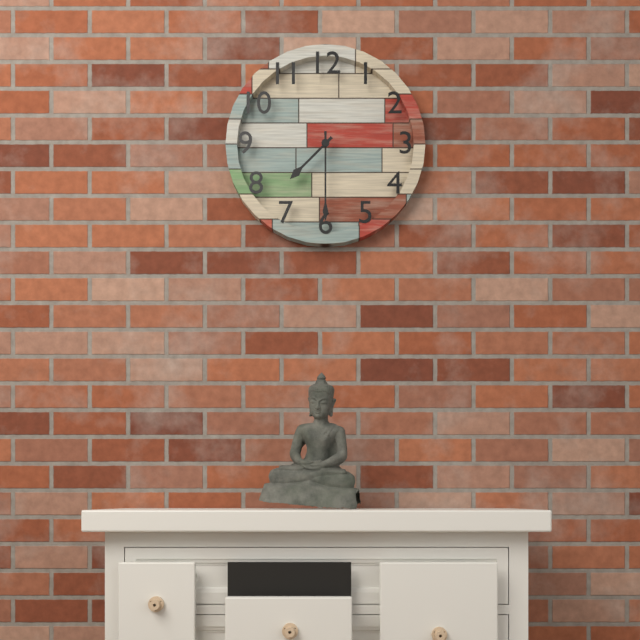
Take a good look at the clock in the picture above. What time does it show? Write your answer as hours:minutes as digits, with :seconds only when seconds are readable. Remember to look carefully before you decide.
7:30
